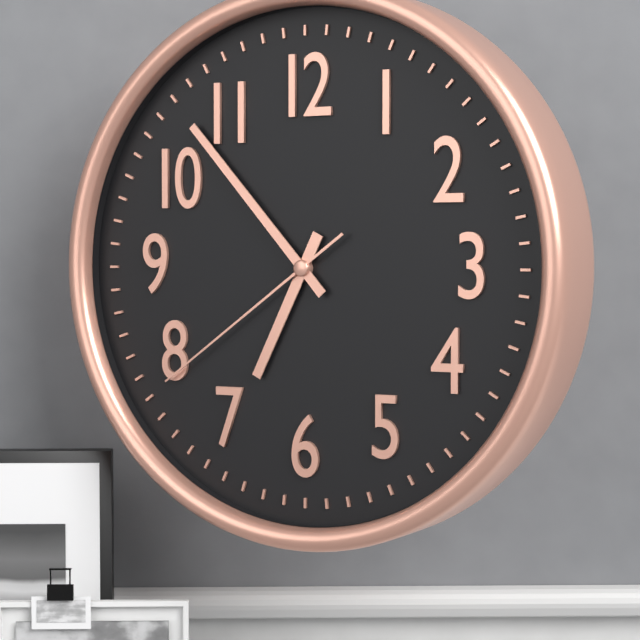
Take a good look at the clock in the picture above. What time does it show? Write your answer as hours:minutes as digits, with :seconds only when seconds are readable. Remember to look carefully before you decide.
6:53:39
